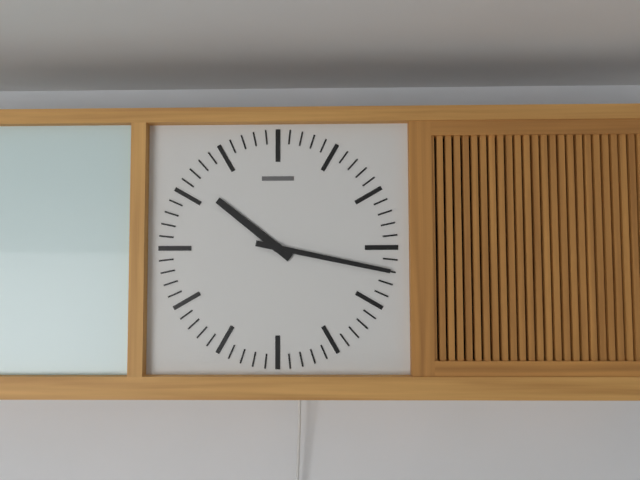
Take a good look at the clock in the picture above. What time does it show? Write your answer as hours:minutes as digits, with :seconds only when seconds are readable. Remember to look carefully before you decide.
10:17
